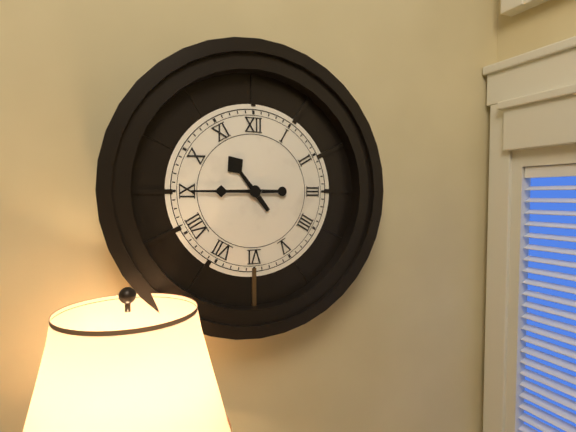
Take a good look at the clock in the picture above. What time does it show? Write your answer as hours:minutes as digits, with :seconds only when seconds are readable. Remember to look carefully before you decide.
10:45
